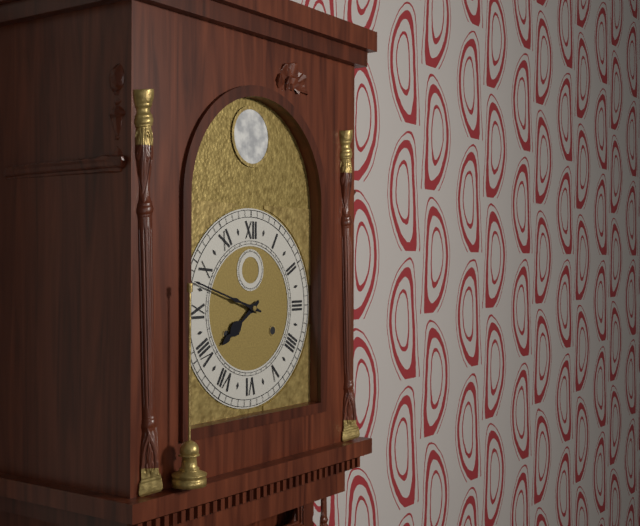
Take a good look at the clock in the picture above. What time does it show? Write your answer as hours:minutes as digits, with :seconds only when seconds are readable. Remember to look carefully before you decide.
7:48
